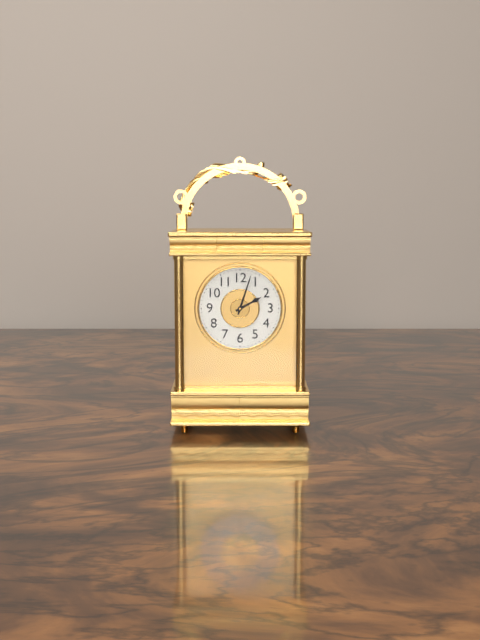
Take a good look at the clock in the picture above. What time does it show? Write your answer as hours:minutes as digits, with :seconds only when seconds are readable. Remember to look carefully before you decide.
2:03
